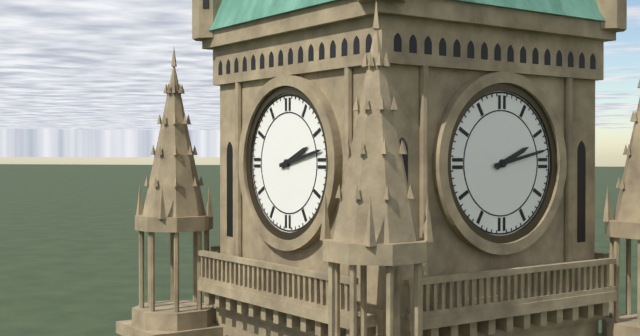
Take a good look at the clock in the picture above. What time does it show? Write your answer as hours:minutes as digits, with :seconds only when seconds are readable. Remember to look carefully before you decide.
2:13
